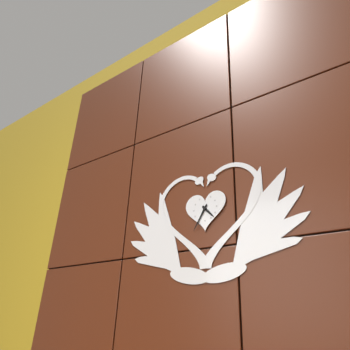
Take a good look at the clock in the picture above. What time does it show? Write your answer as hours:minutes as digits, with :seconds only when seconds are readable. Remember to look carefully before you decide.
4:35
